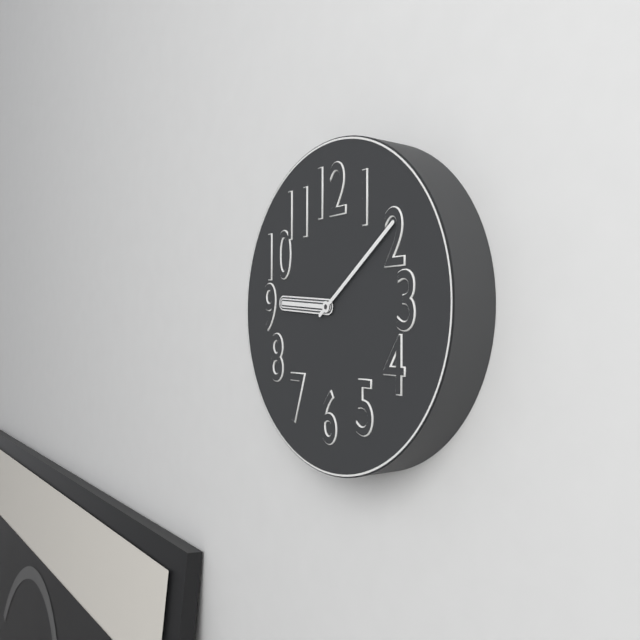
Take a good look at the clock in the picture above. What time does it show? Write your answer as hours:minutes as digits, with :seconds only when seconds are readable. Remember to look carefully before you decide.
9:09
